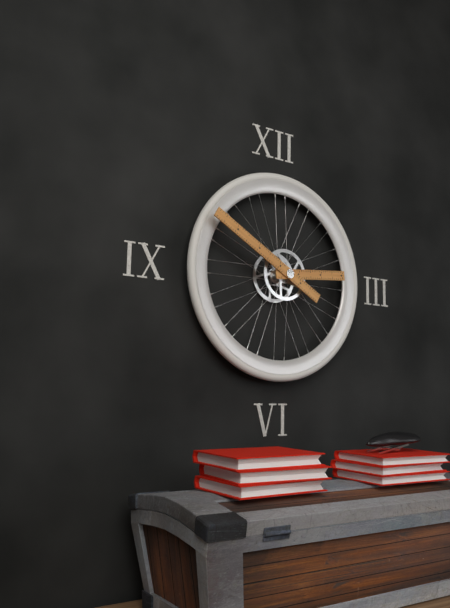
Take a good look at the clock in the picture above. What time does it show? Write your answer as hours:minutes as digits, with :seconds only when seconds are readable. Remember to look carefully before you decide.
2:50
